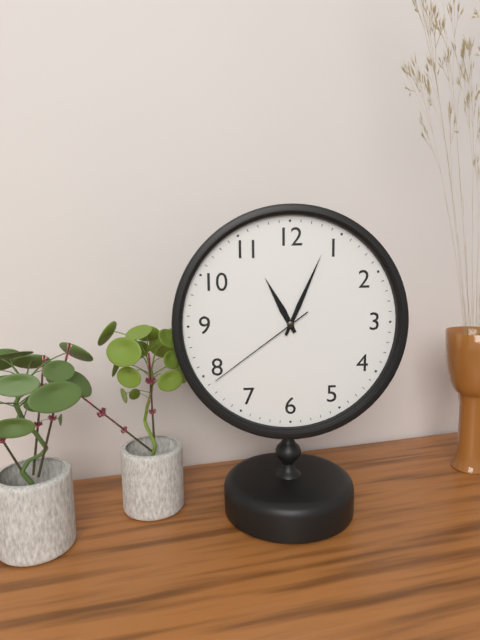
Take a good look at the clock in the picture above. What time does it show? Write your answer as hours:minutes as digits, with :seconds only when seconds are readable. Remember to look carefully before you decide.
11:04:39
